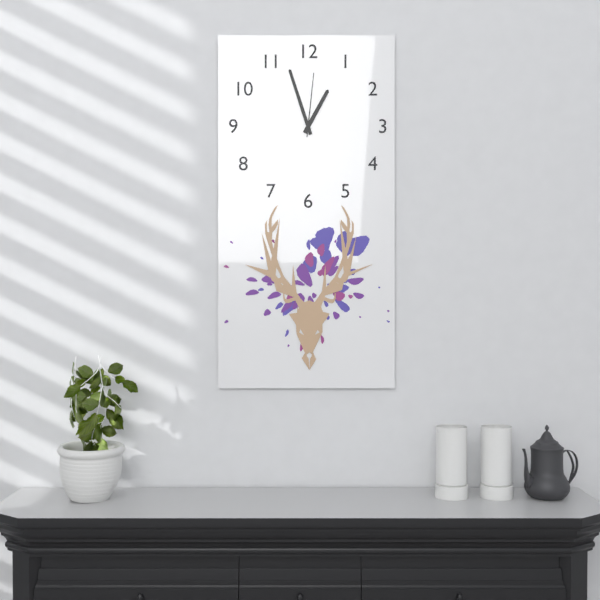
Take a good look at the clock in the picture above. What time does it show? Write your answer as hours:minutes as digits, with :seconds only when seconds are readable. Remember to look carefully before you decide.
12:57:01
